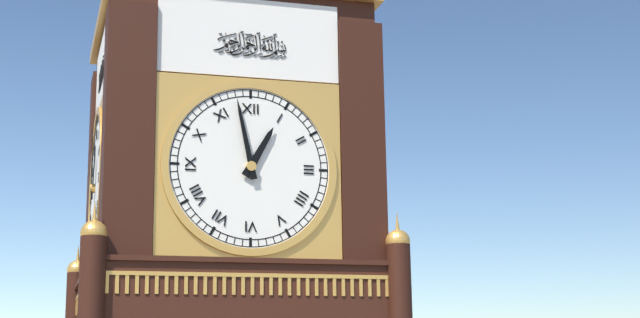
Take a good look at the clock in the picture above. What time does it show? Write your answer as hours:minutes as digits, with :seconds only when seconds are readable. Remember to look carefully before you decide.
12:58
